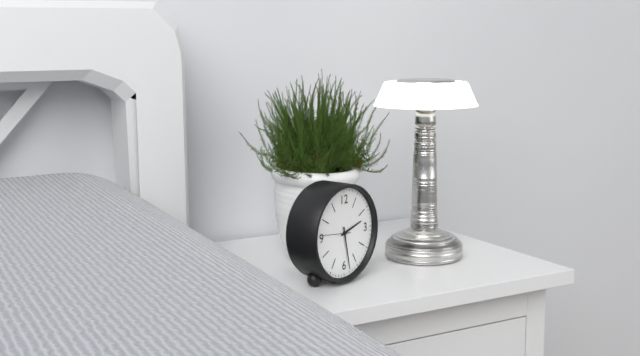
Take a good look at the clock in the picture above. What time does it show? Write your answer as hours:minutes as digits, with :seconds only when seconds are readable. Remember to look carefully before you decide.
2:28
